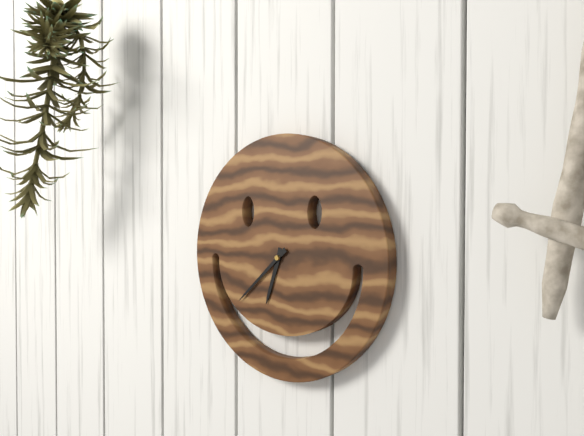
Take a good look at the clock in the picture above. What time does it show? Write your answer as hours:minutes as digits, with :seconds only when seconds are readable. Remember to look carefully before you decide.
6:38
